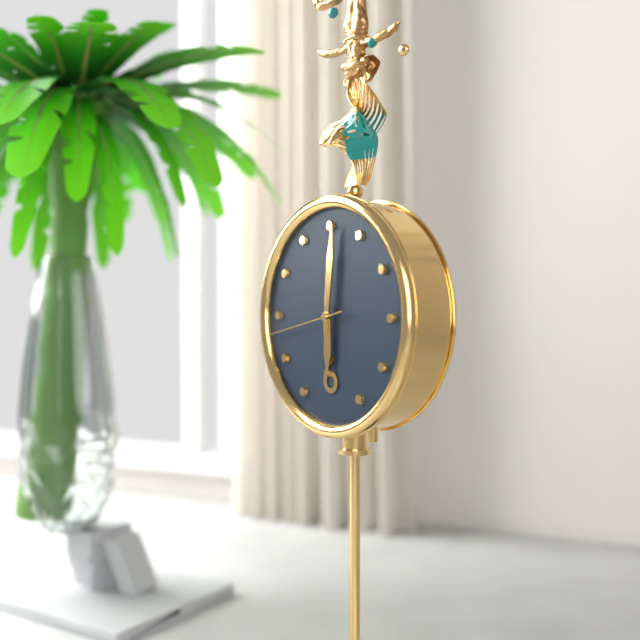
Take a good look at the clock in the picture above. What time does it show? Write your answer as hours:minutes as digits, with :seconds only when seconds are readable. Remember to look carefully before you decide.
6:01:43
